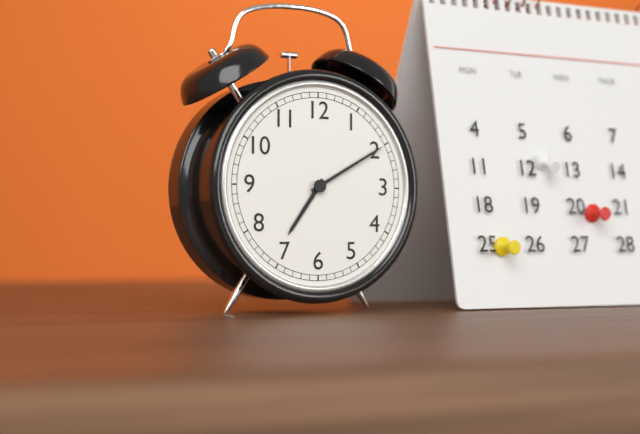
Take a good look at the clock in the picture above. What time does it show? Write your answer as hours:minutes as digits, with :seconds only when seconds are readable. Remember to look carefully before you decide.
7:10
